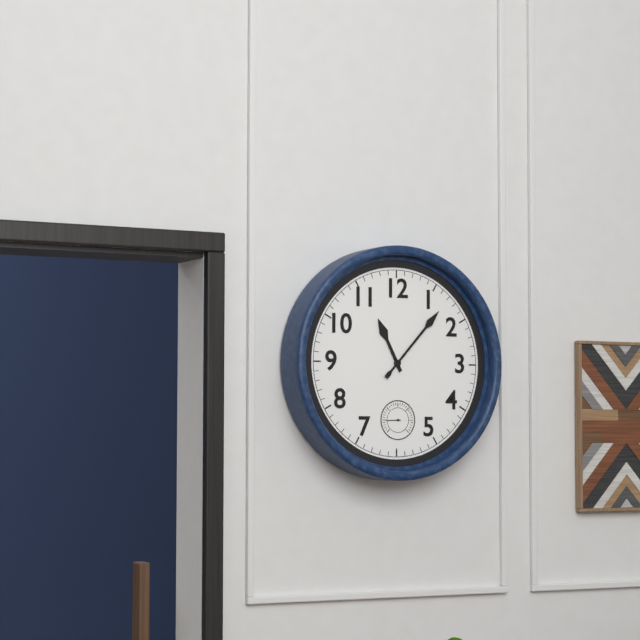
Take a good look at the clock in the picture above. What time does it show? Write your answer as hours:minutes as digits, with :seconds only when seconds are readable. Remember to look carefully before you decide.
11:07
